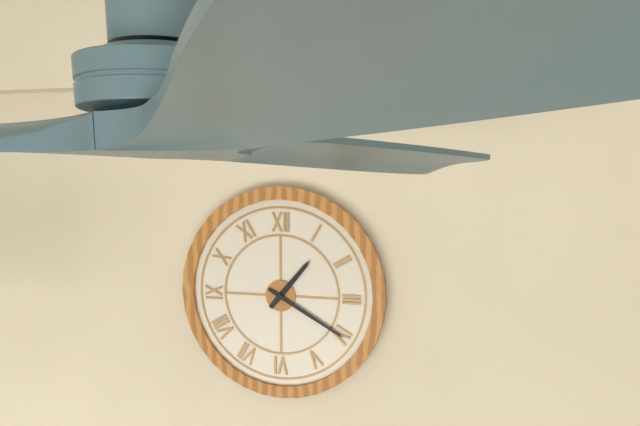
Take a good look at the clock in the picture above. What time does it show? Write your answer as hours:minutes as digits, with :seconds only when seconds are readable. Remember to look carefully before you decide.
1:20
